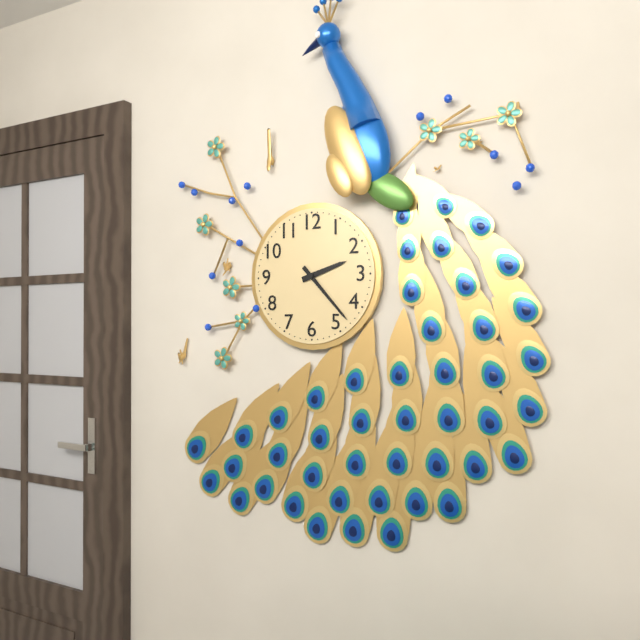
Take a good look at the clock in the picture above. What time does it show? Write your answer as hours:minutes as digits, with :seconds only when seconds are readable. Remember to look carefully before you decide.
2:23
